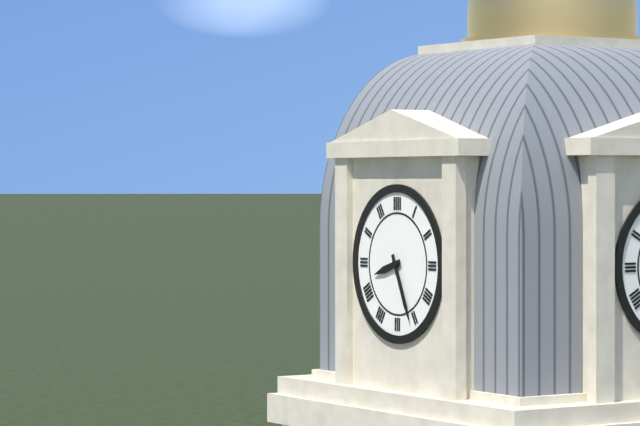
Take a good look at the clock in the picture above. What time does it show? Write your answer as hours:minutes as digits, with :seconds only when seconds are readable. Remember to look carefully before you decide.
8:26
